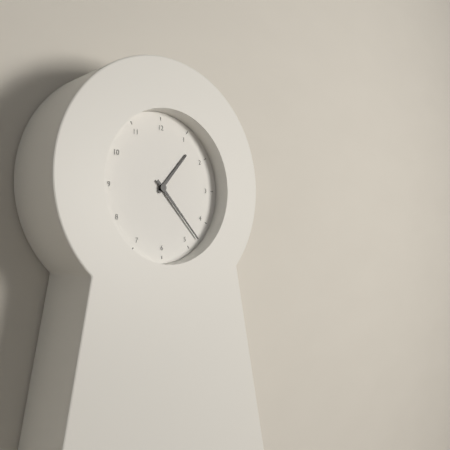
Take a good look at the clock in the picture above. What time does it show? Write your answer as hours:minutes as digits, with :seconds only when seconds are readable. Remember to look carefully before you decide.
1:23
